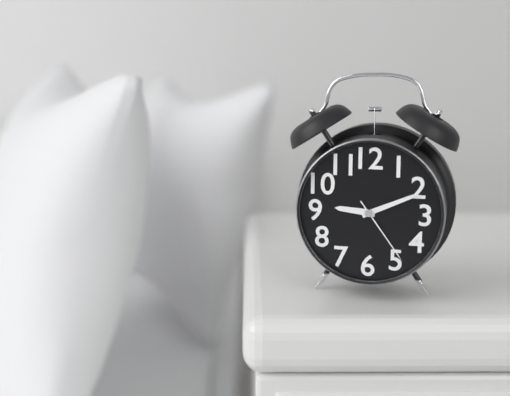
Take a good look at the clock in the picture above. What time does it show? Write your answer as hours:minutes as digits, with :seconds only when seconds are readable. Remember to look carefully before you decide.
9:11:24
